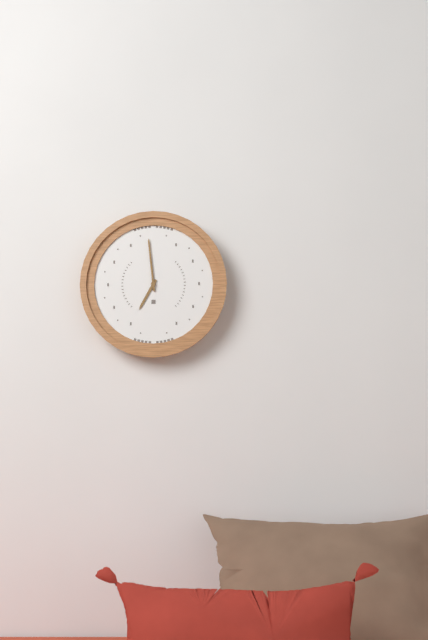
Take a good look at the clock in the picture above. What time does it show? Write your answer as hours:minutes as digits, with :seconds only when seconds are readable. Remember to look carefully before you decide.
6:59
